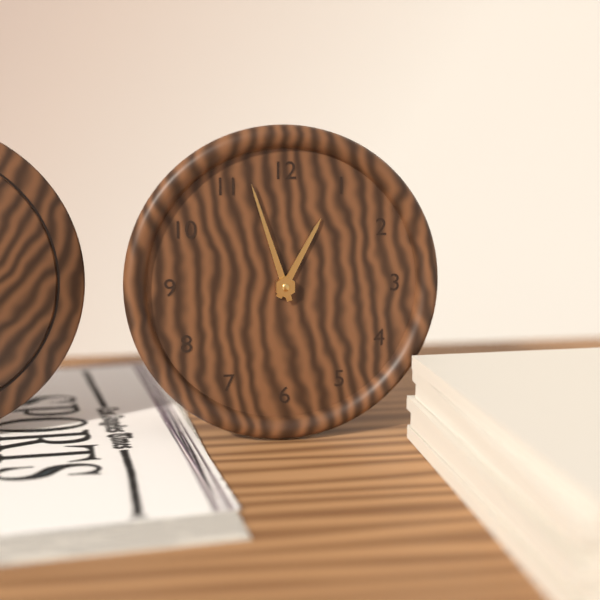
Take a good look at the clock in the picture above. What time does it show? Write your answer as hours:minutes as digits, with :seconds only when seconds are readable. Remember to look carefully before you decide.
12:57
